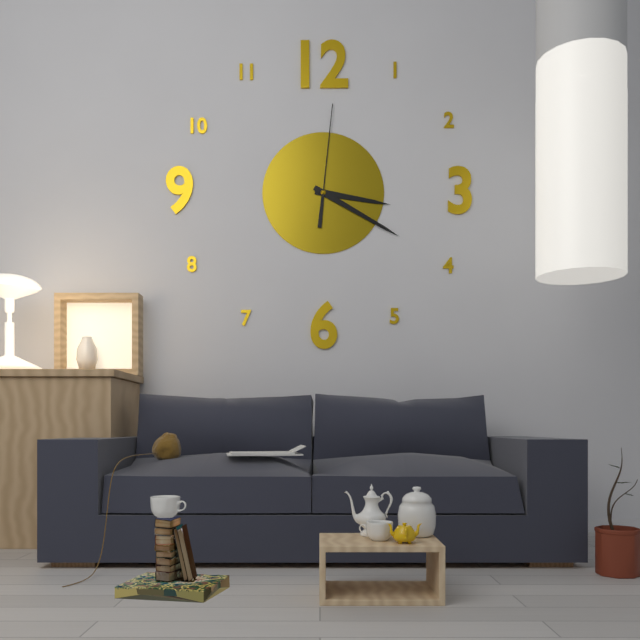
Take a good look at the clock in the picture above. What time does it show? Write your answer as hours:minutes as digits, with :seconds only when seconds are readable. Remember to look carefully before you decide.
3:20:01
